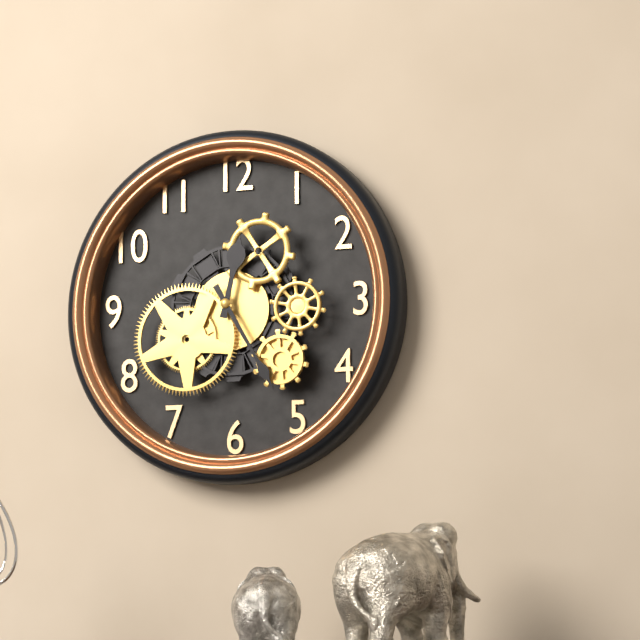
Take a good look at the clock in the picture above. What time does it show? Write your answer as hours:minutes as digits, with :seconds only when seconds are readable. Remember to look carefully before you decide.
12:25
